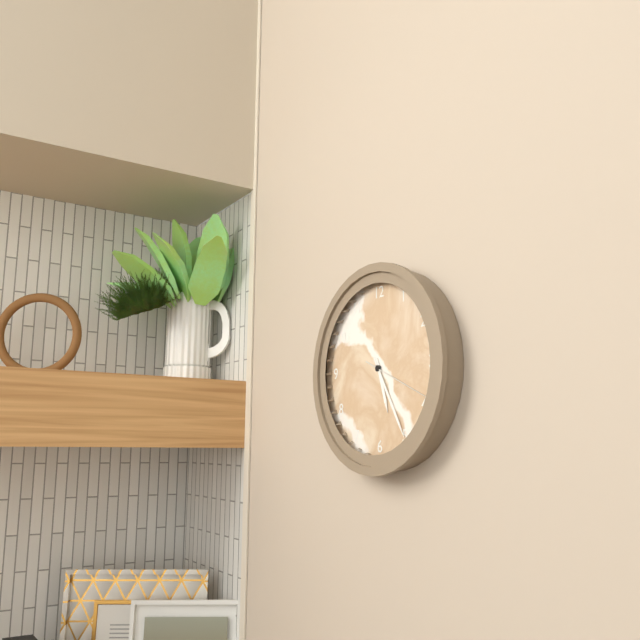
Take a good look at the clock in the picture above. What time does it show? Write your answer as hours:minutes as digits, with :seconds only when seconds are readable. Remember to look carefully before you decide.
5:25:19
